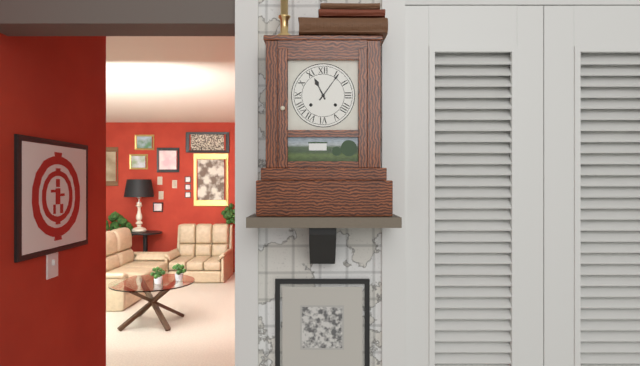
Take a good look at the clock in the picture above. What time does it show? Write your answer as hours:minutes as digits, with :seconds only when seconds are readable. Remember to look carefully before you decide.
11:06
